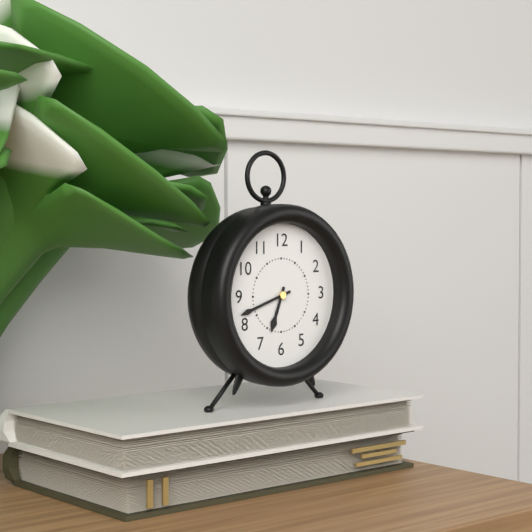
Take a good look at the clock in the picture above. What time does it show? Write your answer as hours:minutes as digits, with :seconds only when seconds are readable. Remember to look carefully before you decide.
6:42
